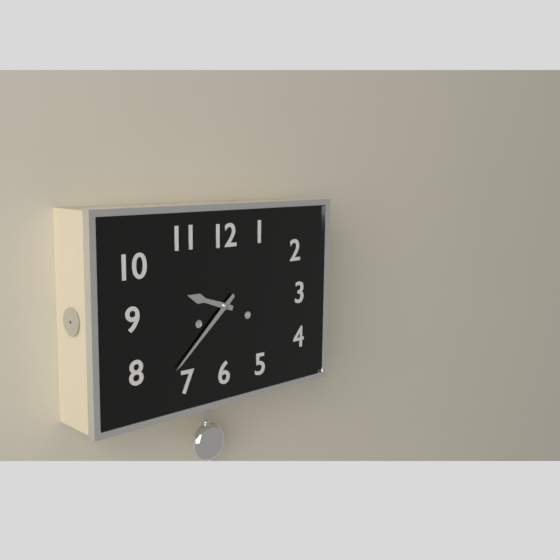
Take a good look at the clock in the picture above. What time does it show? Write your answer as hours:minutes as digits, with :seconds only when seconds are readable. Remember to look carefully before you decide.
9:38
